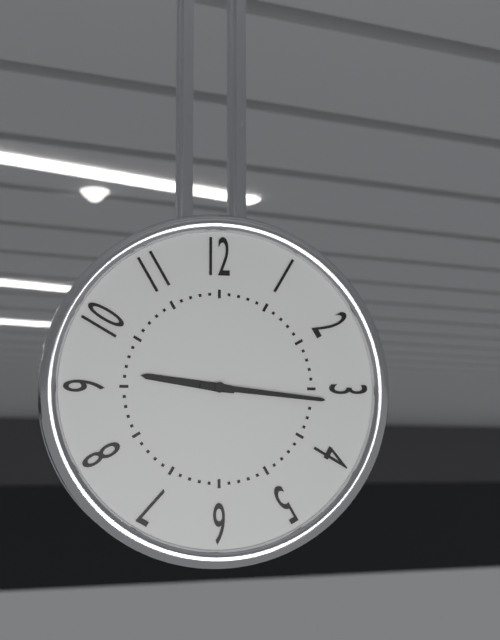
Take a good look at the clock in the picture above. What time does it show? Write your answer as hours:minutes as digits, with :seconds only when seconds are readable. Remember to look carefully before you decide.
9:16
